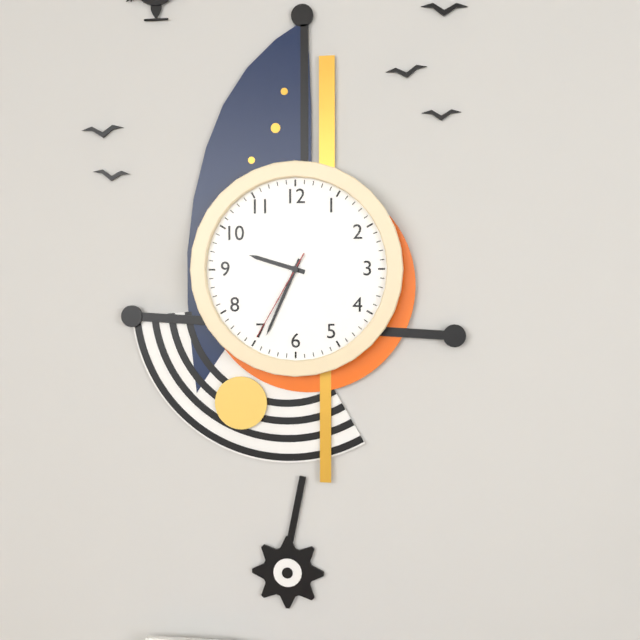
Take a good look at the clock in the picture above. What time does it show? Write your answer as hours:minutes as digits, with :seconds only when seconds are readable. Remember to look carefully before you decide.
9:34:35
